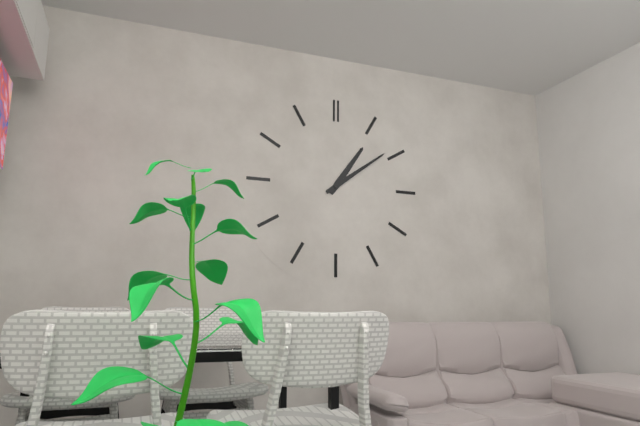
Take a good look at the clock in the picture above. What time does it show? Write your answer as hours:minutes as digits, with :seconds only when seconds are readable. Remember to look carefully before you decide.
1:09
